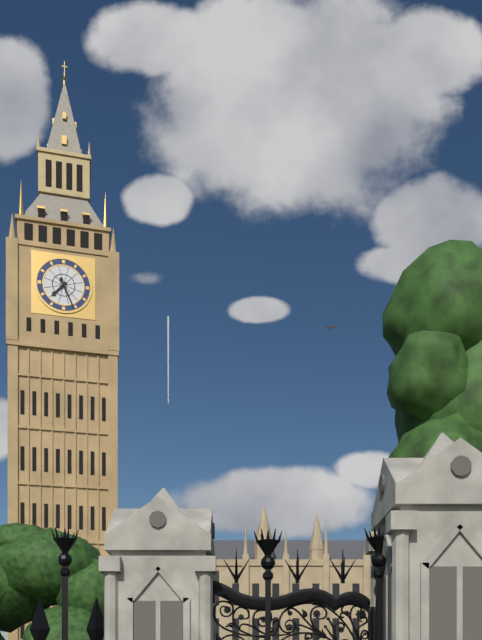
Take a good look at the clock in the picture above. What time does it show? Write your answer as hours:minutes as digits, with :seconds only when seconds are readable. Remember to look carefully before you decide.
7:26
